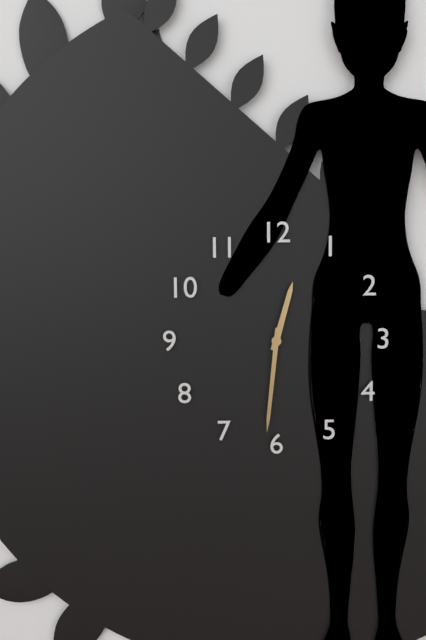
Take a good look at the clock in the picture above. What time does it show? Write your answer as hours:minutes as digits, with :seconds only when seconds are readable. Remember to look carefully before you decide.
12:31
